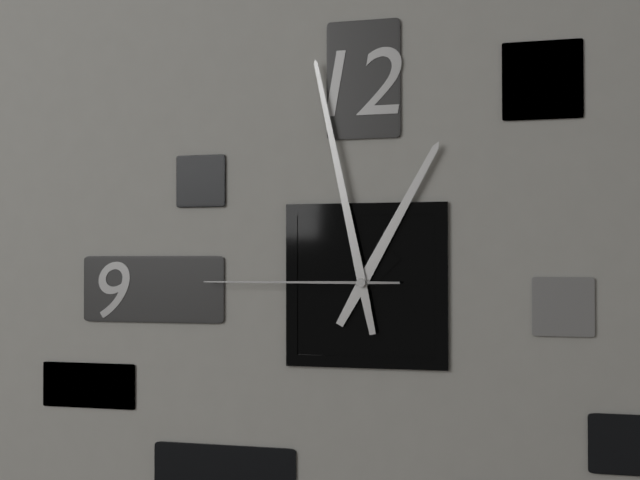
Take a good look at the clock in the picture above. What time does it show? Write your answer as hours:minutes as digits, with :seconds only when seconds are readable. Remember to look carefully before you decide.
12:58:45
